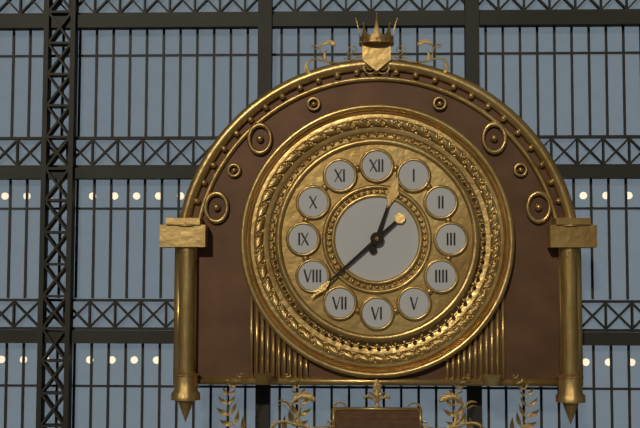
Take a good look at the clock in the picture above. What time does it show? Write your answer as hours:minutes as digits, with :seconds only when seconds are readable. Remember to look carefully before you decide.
12:38
